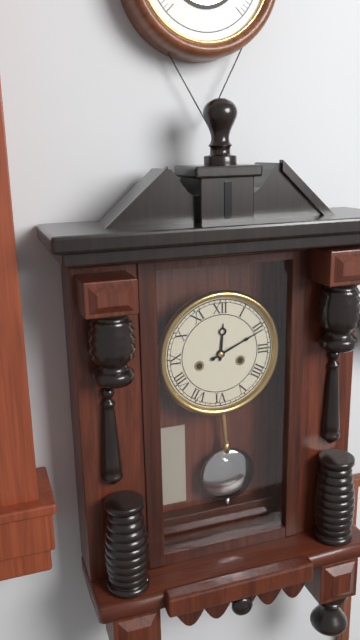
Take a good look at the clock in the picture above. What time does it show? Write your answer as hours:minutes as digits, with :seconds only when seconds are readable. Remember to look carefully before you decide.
12:11
